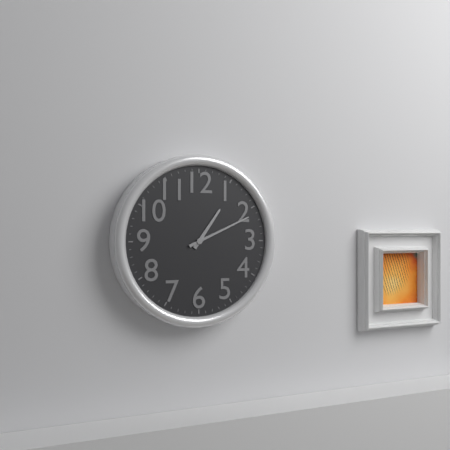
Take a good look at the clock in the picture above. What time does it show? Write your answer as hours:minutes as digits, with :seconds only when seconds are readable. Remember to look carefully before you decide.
1:11
